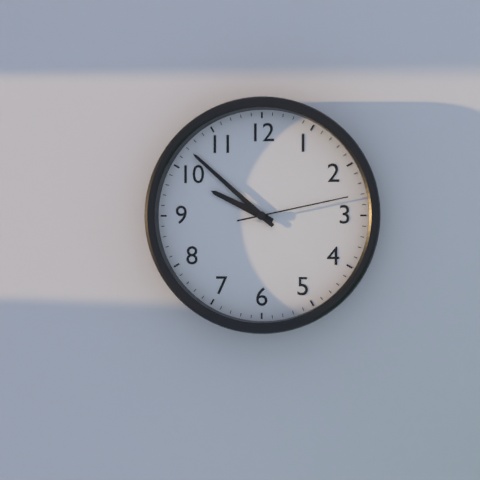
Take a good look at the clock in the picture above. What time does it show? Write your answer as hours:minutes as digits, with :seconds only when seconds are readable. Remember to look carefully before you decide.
9:52:13
